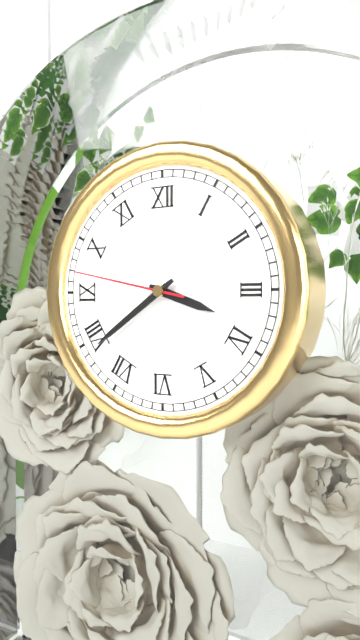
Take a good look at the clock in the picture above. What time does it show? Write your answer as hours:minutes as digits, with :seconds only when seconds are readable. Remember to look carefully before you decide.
3:39:47
